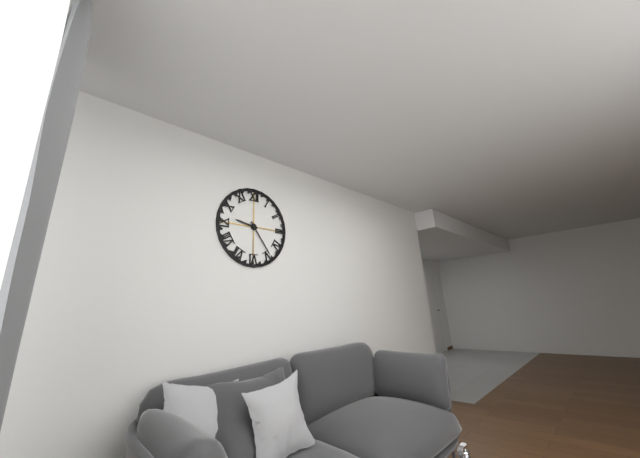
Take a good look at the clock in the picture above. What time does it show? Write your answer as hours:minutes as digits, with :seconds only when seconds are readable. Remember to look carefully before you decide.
9:24
